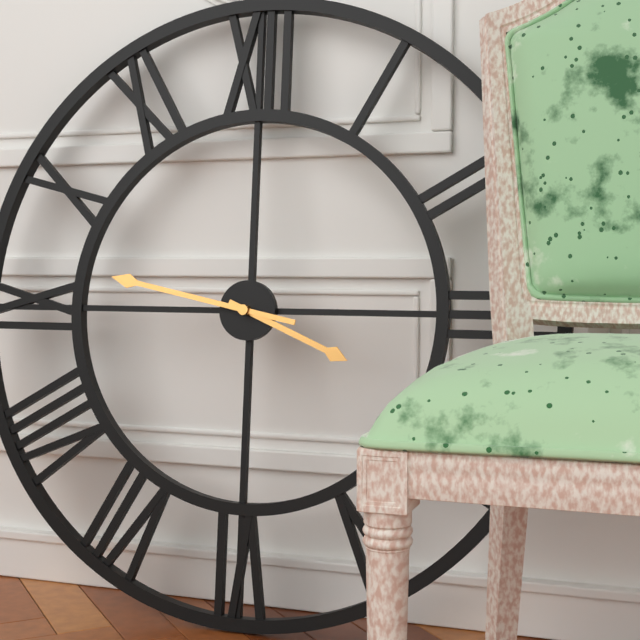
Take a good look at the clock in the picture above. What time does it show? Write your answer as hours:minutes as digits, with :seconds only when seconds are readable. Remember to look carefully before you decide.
3:47
